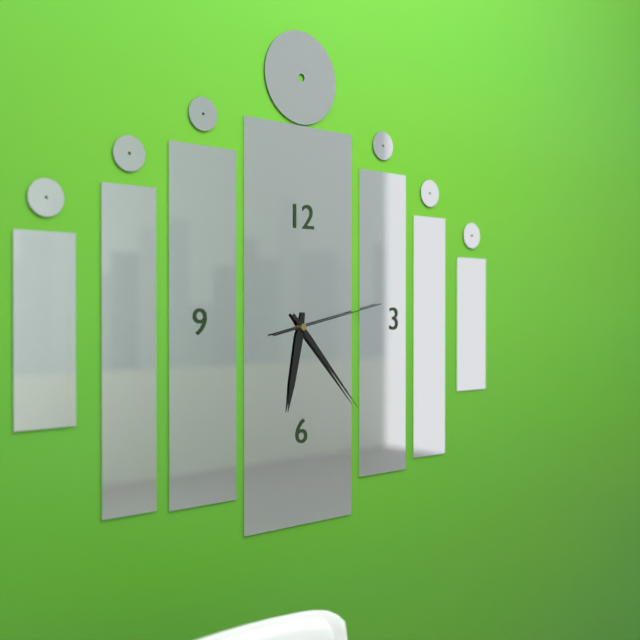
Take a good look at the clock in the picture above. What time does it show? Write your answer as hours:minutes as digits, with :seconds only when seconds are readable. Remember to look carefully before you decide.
6:23:13
